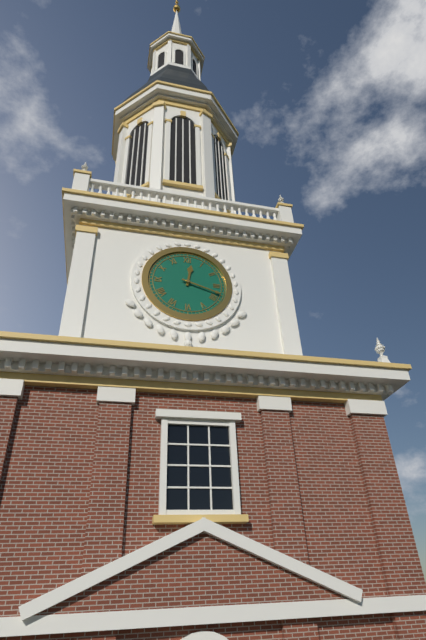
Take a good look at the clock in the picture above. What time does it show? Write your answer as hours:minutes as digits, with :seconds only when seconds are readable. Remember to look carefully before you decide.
12:18
